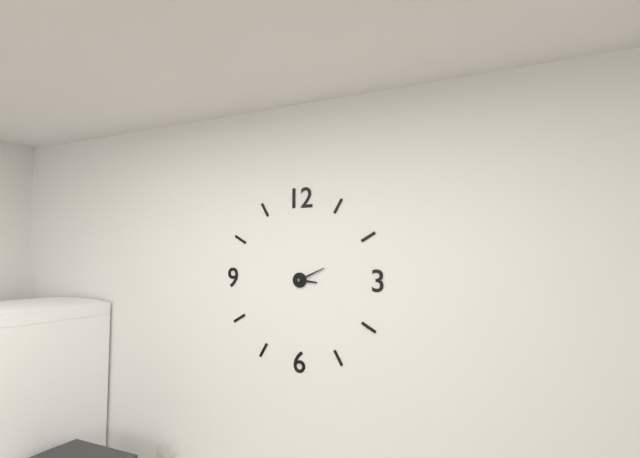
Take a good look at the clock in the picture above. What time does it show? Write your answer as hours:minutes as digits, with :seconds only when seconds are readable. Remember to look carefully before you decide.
3:11
